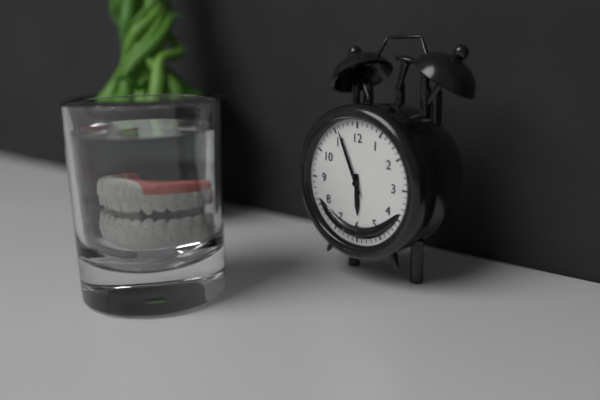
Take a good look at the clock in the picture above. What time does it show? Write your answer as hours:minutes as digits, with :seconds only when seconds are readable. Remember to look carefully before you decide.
5:56
